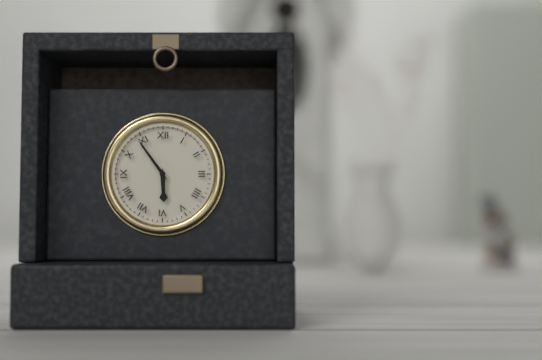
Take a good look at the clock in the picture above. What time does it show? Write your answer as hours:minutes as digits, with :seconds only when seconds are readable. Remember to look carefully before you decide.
5:54
